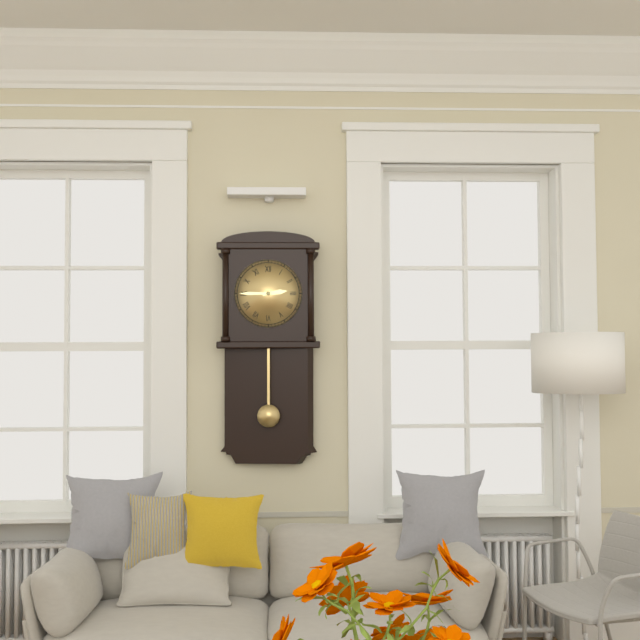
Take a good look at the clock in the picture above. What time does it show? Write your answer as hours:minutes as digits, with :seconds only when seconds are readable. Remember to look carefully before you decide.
2:45
